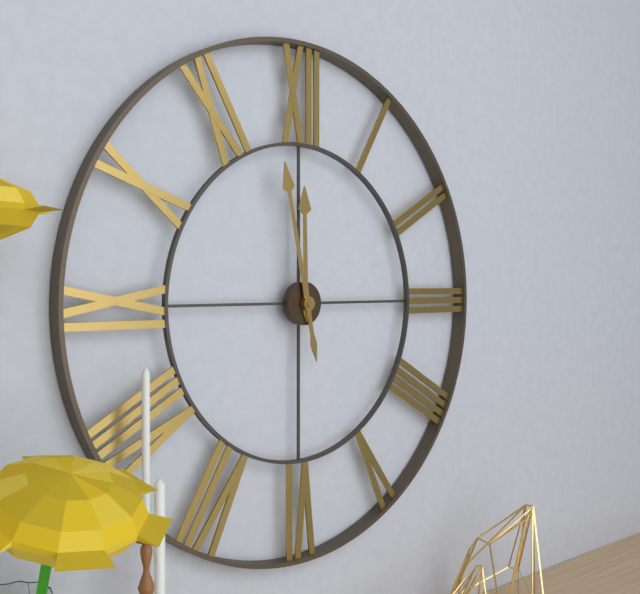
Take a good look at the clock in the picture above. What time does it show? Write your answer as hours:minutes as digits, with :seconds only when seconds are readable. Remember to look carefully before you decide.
11:58
